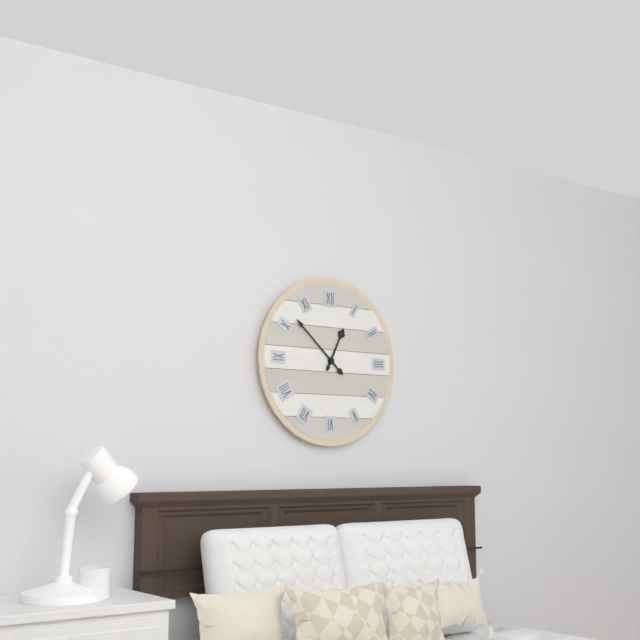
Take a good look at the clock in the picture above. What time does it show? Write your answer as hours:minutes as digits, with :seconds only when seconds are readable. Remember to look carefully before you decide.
12:52
